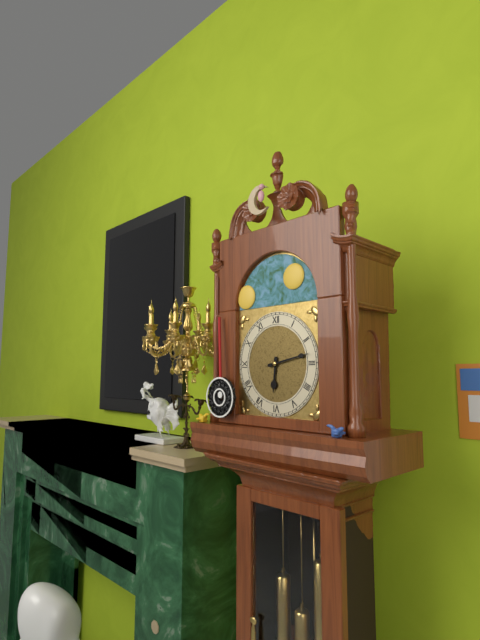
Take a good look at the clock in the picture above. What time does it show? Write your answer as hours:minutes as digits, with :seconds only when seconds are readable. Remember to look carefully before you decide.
6:13
